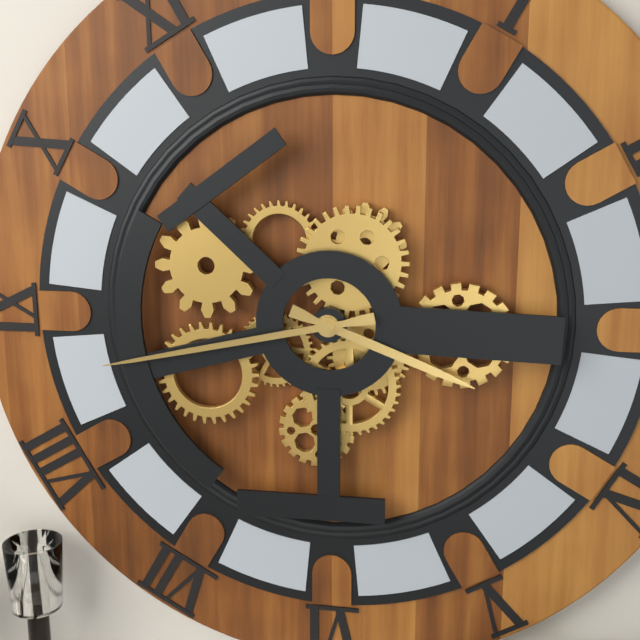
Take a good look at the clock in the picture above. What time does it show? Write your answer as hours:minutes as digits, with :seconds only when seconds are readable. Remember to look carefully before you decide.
3:43
